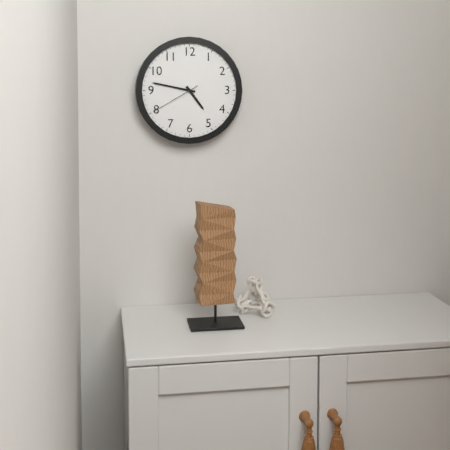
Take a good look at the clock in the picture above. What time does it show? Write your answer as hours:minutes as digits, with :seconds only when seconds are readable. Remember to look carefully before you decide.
4:47:40
